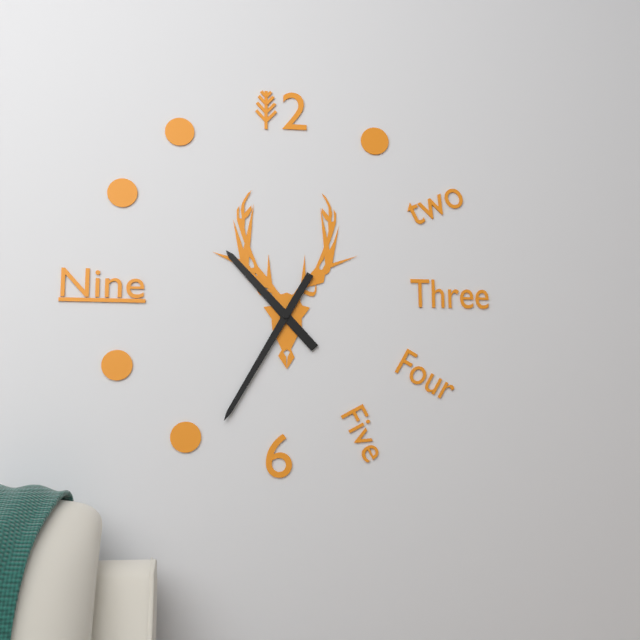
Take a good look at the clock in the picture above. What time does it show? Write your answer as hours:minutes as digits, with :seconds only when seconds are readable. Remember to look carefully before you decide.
10:35
